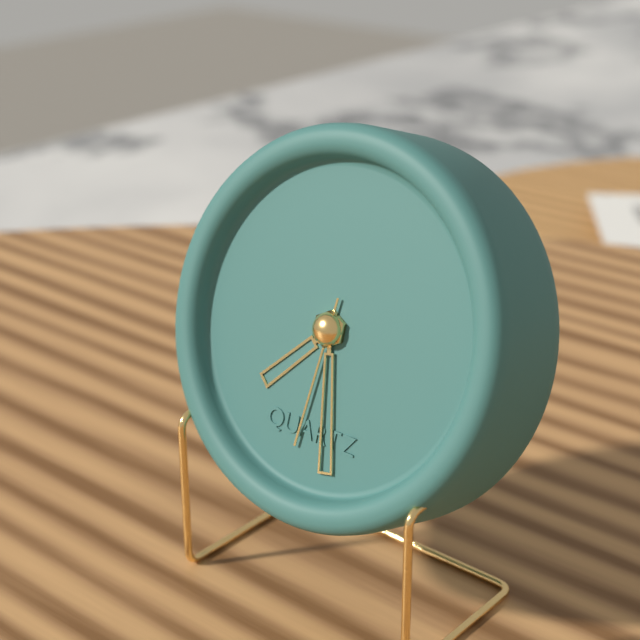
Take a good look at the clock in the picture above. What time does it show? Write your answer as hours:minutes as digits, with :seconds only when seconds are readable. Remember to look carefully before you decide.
7:28:31
